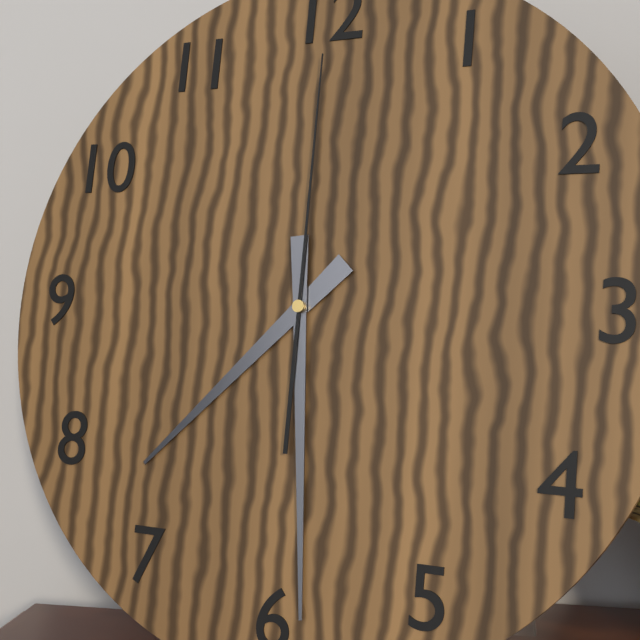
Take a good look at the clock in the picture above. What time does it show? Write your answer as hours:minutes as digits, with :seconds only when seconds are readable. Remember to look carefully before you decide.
7:29:00
